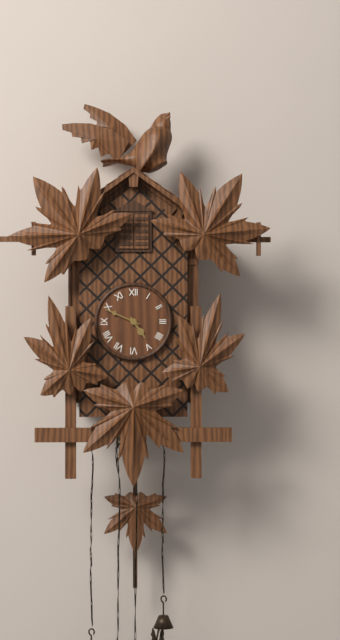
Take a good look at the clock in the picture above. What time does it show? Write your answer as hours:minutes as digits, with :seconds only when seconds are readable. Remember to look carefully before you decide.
4:49
